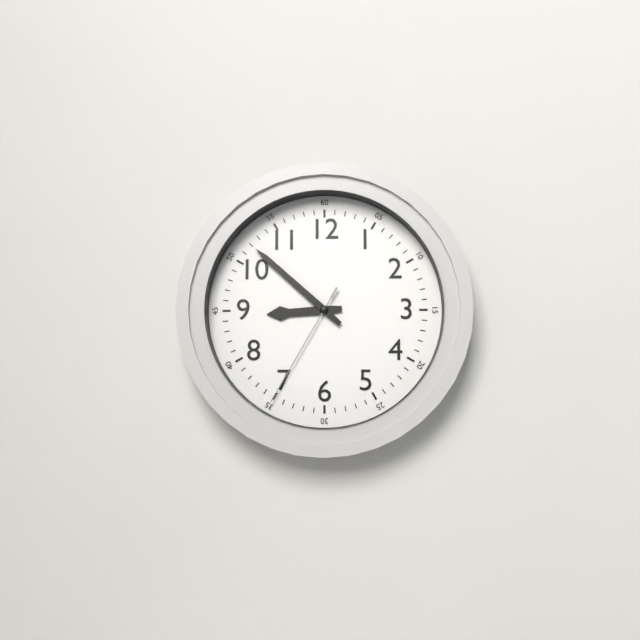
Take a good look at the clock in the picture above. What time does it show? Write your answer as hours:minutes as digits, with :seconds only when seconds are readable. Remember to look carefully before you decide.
8:52:35
